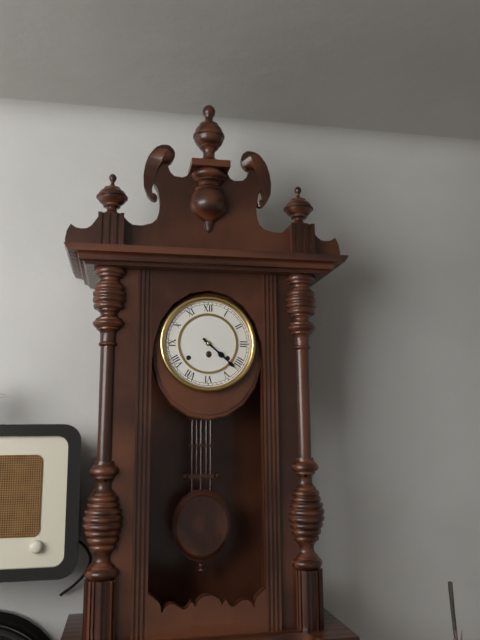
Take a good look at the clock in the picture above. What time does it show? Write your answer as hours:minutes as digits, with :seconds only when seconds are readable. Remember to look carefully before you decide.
4:22
